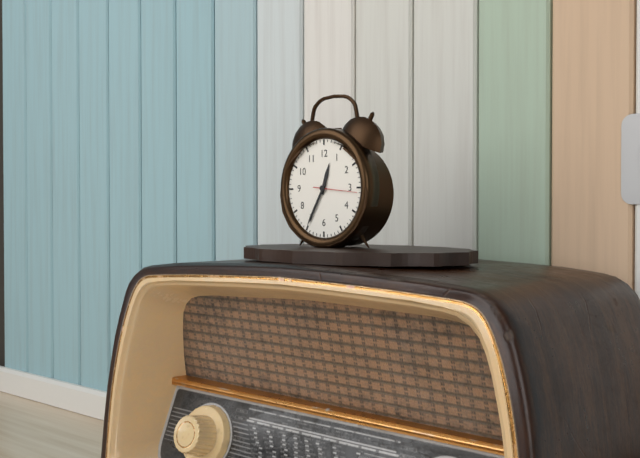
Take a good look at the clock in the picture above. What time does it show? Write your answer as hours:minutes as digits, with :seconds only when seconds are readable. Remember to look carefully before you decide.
12:35
